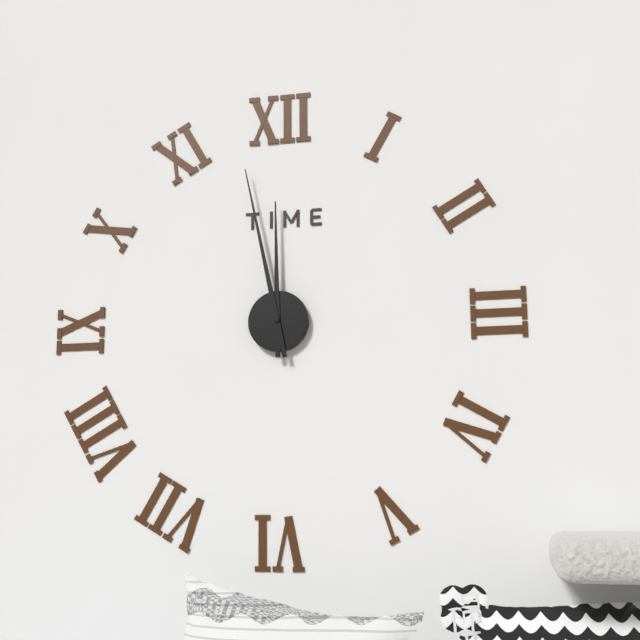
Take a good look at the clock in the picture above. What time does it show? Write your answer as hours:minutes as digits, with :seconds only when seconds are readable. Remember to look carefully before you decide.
11:58
